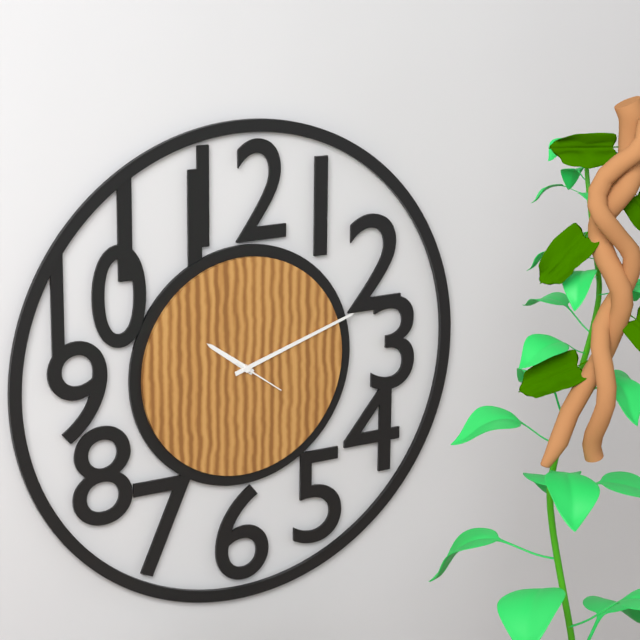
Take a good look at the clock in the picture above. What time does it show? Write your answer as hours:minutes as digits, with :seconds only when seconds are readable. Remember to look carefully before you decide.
10:12:21
